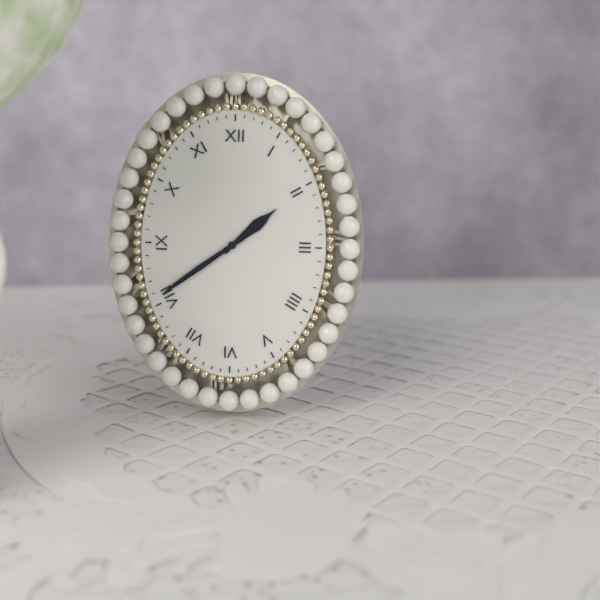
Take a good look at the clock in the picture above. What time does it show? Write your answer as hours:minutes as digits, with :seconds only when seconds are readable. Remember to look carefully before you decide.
1:39
